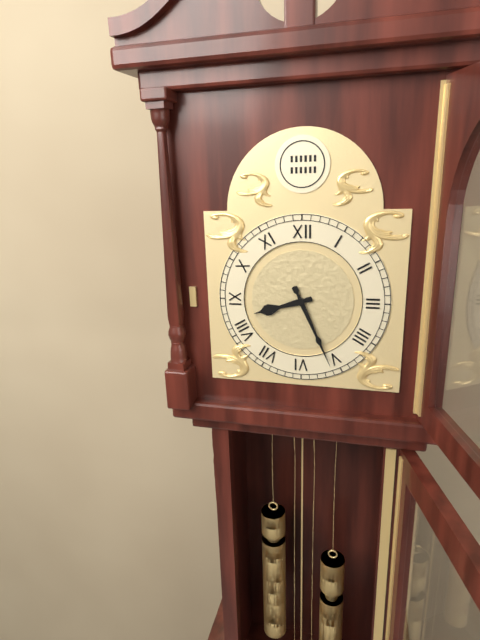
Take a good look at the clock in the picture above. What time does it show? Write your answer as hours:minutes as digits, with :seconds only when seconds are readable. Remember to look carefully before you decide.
8:26
